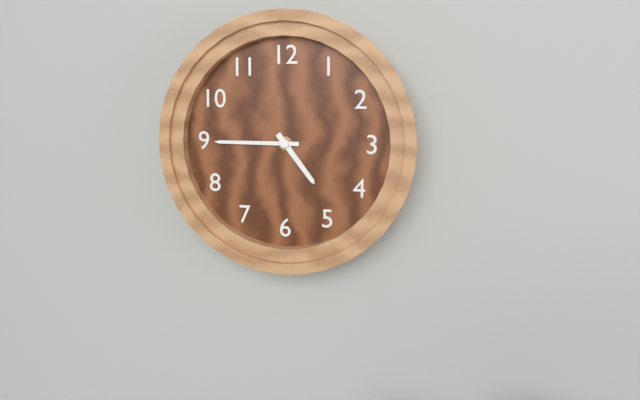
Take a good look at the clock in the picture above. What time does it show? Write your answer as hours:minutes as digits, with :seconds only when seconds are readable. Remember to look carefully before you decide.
4:45
